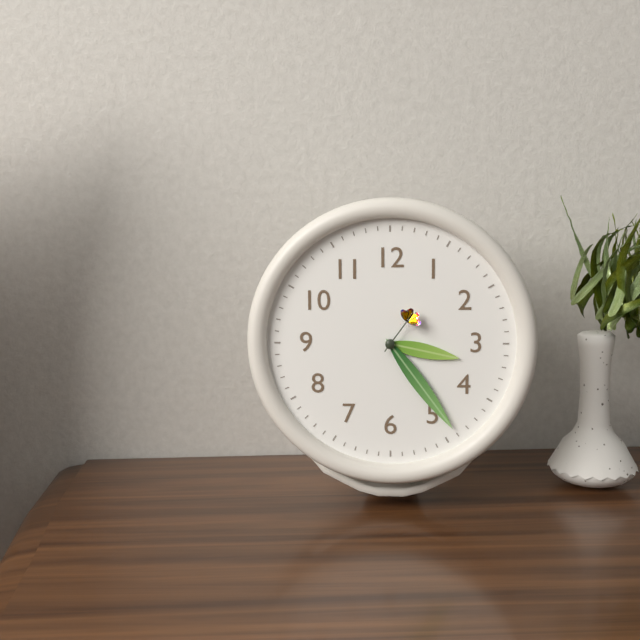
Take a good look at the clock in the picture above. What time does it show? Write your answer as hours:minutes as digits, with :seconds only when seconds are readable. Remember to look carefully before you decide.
3:24:06
